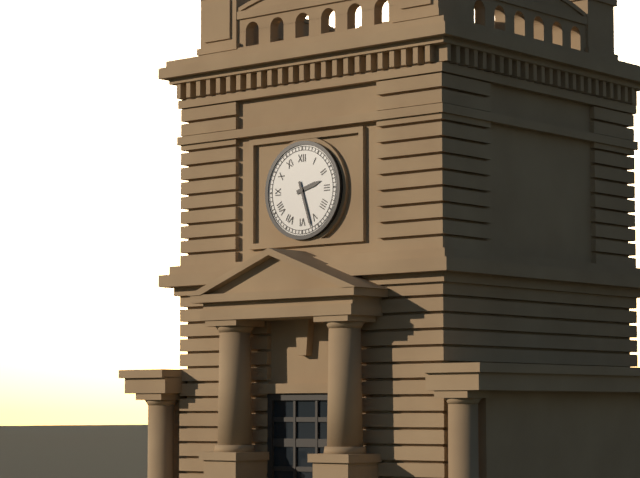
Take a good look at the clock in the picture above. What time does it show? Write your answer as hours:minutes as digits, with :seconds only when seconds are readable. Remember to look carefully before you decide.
2:27
